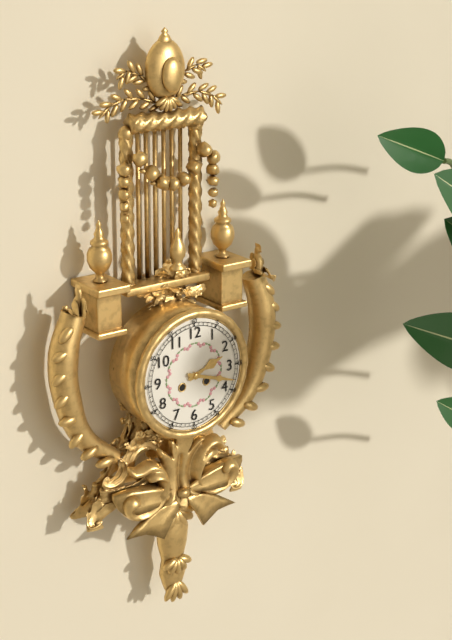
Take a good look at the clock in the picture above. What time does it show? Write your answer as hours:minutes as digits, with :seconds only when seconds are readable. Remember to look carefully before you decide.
2:18
